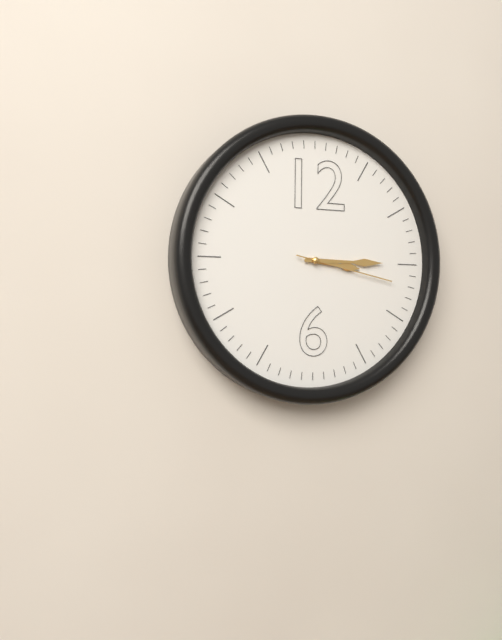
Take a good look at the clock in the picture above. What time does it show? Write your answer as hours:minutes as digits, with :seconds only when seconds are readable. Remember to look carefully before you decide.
3:15:17
